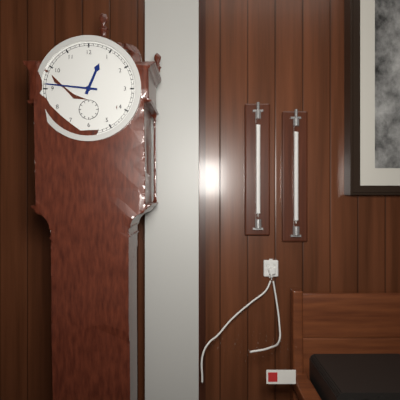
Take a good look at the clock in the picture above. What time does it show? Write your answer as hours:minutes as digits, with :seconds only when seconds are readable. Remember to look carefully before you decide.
12:46
